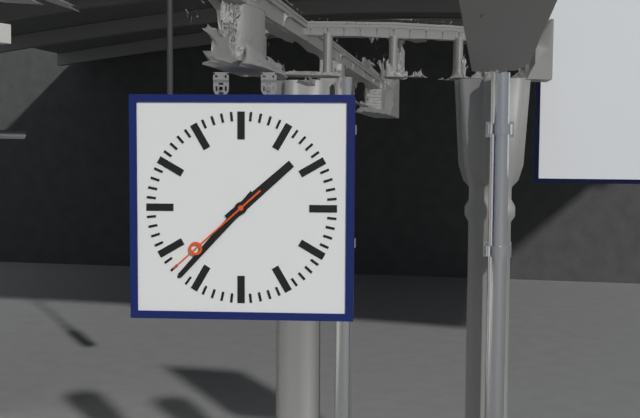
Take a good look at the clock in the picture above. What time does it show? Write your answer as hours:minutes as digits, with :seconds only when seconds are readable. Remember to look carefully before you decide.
1:37:38
